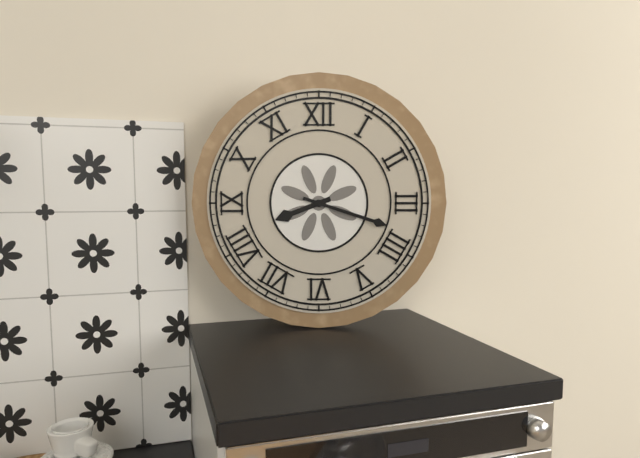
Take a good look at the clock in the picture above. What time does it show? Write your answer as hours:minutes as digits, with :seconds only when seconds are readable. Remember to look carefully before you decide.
8:18
